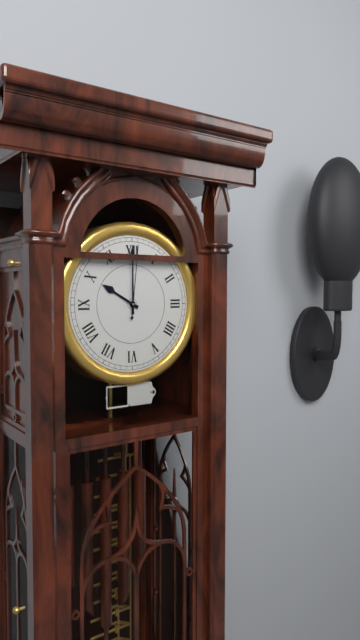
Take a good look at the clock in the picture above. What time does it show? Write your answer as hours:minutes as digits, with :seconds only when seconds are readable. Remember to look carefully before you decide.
10:00:01
